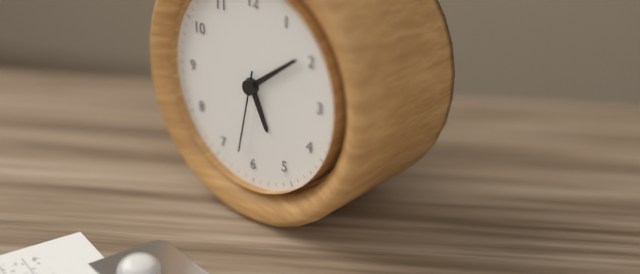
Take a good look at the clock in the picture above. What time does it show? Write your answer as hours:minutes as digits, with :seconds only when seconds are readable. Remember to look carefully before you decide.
5:09:32
